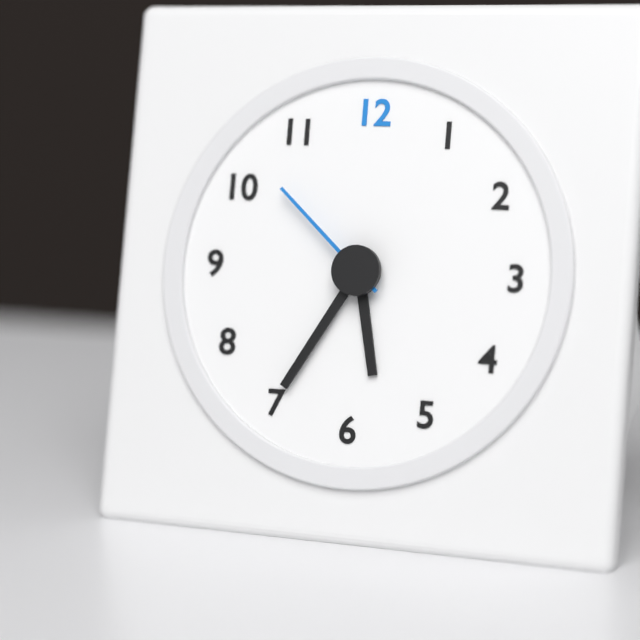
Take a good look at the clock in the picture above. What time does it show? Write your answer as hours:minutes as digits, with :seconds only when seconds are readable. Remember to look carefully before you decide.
5:35:52
